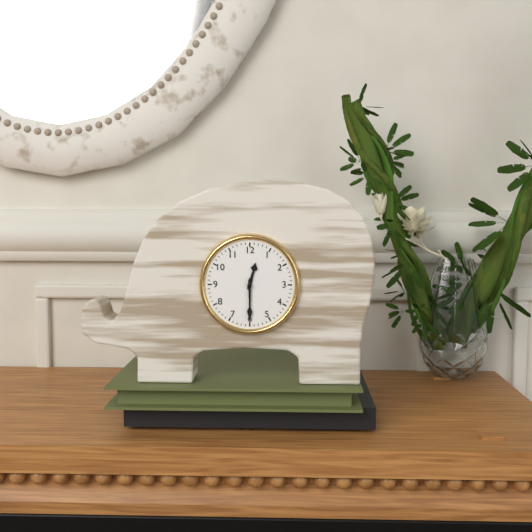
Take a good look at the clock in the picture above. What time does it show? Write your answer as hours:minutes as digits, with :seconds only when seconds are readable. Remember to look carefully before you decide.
12:30
